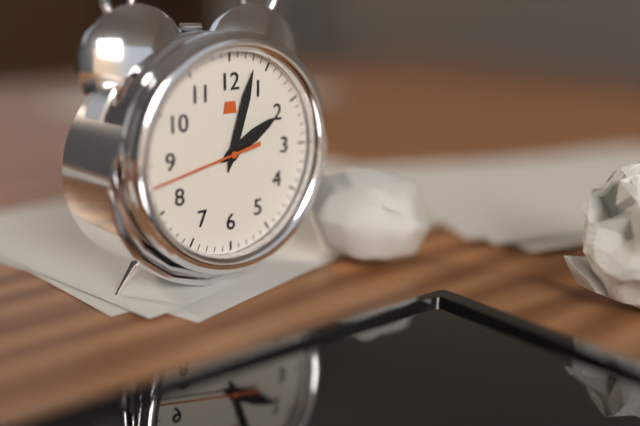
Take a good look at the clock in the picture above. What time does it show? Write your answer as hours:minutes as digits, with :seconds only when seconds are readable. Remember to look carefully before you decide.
2:03:43
